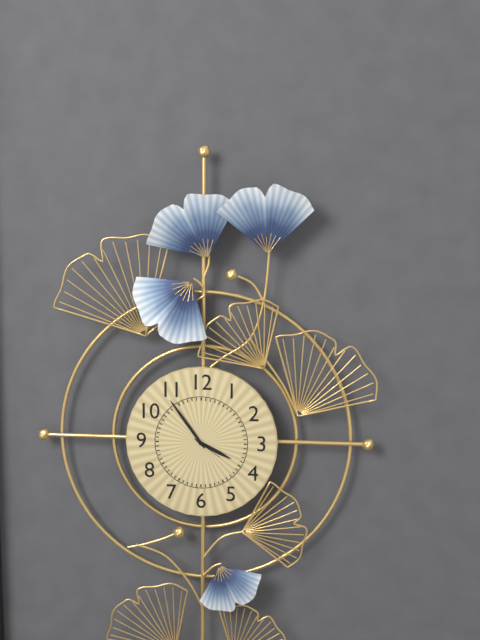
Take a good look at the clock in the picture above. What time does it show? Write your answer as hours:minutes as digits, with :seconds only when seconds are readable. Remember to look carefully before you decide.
3:54
